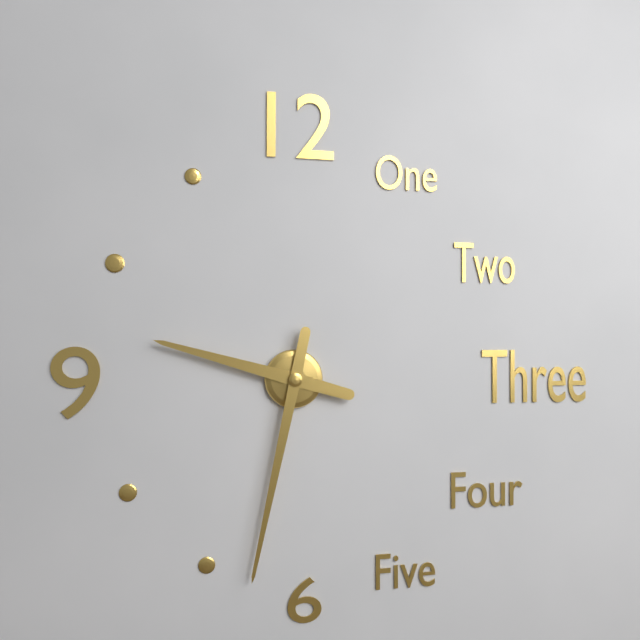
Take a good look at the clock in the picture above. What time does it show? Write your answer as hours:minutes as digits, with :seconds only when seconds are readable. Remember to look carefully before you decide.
9:32
